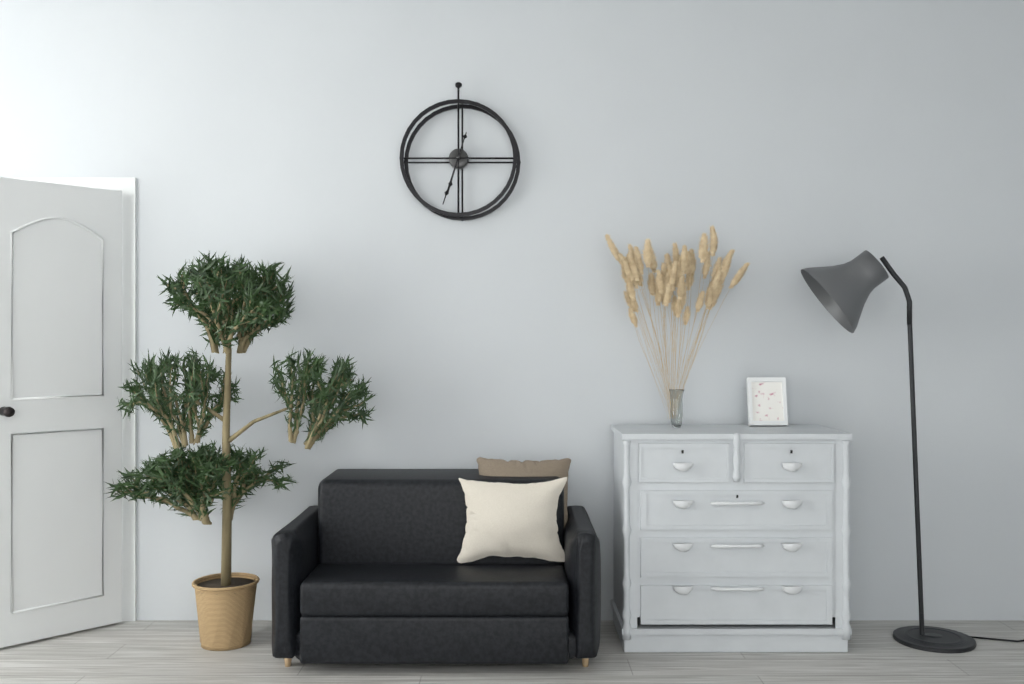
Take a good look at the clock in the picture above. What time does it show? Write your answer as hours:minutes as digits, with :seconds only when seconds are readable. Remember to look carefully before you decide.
6:33
